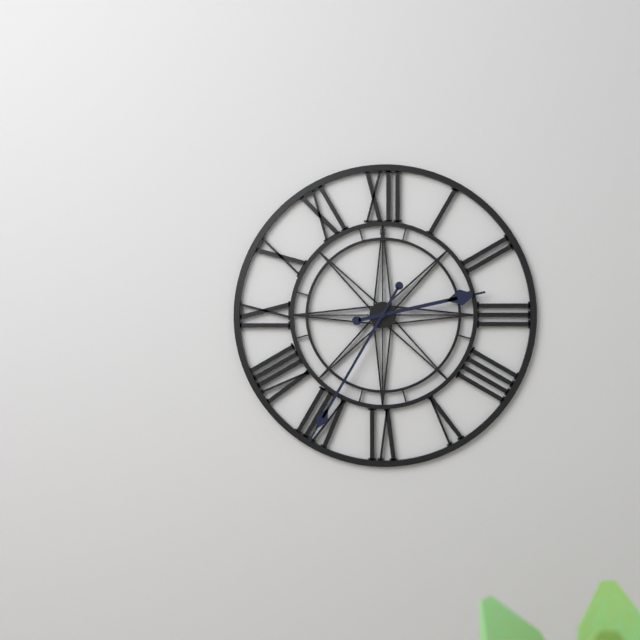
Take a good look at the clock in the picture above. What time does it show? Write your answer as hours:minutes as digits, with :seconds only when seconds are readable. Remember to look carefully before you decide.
2:35
